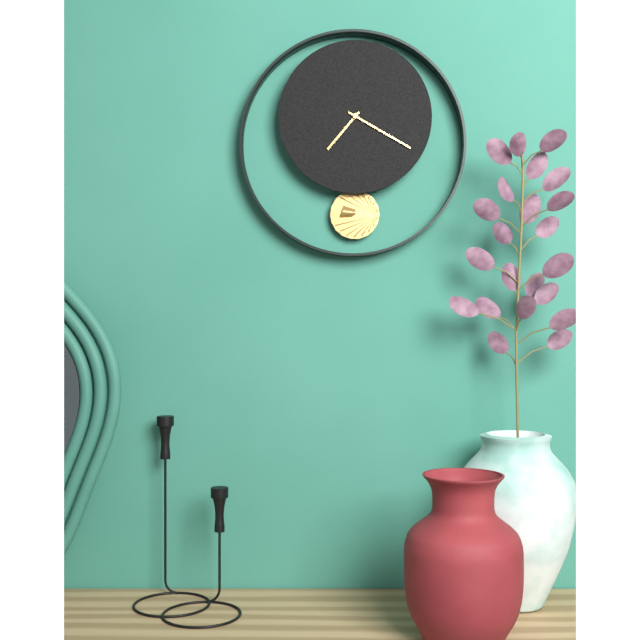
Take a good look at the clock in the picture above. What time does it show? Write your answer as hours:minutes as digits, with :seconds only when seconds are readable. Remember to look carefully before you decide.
7:20
